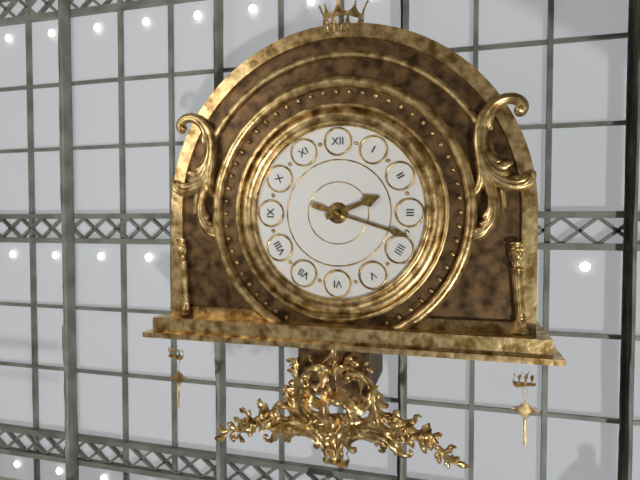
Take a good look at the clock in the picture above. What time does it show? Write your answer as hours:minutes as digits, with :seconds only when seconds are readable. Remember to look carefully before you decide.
2:18
